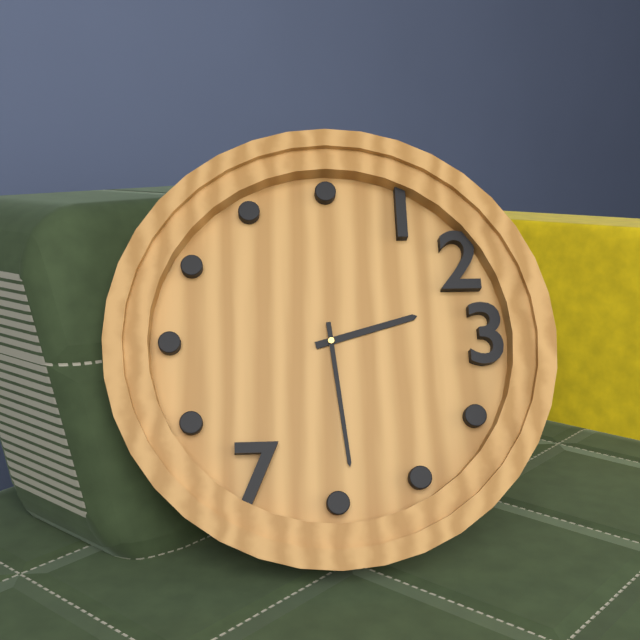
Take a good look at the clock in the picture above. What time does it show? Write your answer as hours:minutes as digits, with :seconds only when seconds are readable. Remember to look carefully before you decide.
2:29
